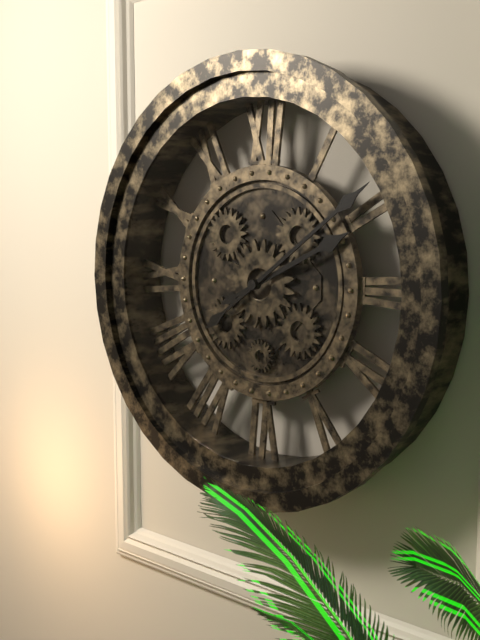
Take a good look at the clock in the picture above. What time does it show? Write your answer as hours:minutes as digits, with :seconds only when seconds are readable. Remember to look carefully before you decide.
2:09
